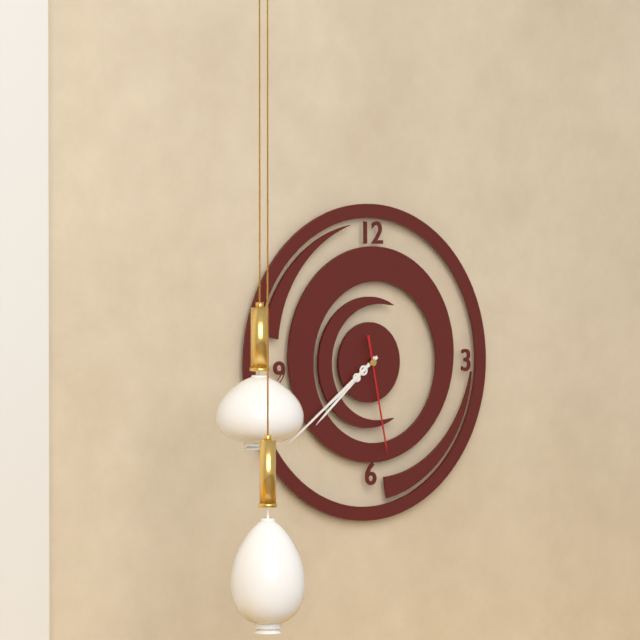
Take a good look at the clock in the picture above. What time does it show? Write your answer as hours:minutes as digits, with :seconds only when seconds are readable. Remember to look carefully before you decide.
7:39:28
